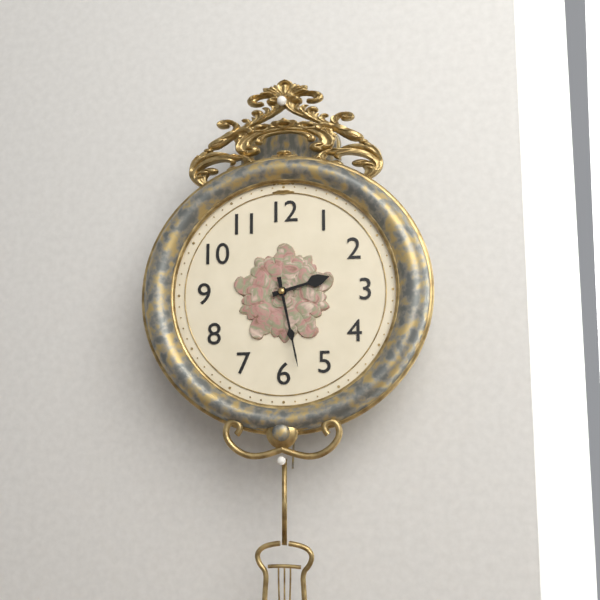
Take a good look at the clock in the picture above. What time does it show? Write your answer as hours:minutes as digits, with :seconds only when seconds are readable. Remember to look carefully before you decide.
2:28
